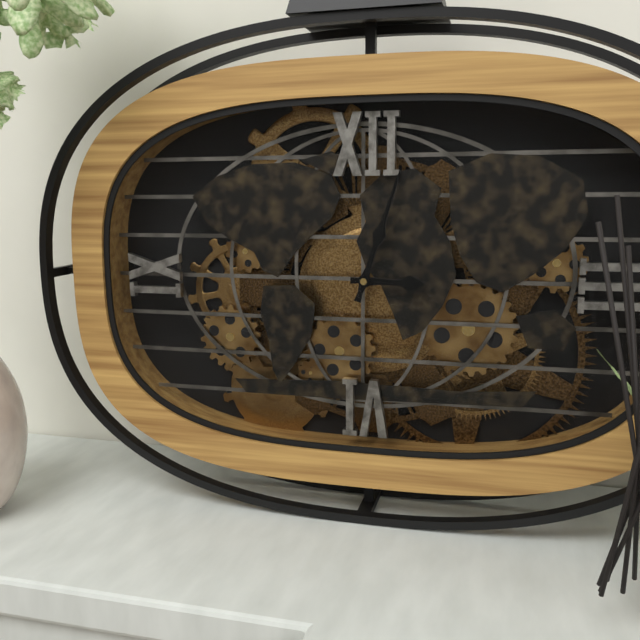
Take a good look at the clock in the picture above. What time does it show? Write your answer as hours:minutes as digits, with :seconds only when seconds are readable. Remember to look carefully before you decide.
3:03
